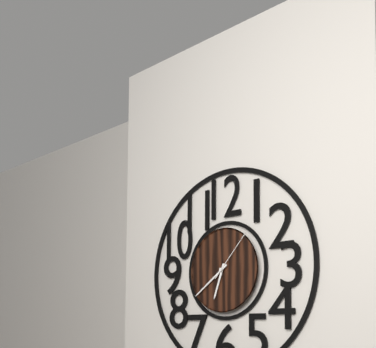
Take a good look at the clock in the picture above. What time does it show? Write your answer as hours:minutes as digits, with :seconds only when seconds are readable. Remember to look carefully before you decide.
6:39:07
